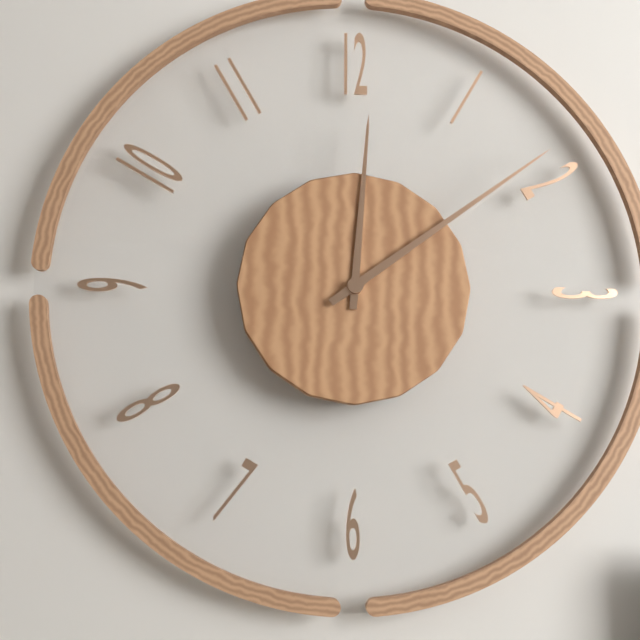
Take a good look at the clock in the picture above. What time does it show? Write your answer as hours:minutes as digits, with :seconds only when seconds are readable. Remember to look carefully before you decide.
12:09
